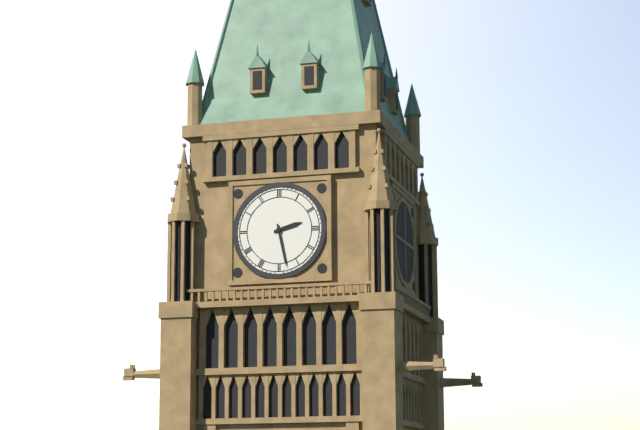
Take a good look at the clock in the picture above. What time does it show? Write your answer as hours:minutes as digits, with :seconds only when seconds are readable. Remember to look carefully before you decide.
2:28
